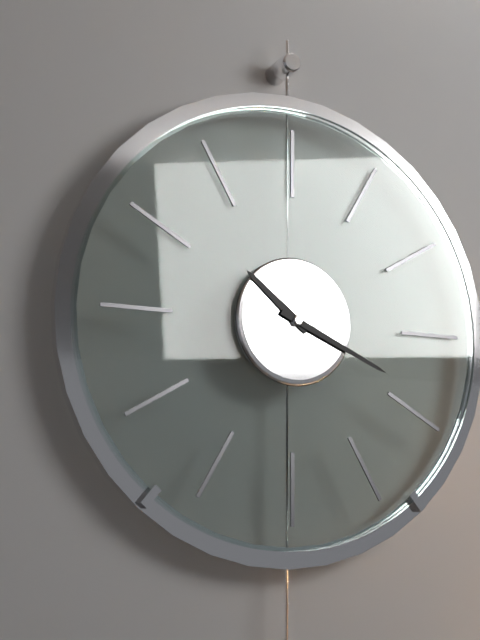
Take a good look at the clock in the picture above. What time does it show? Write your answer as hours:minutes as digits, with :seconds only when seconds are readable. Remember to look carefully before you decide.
10:19
